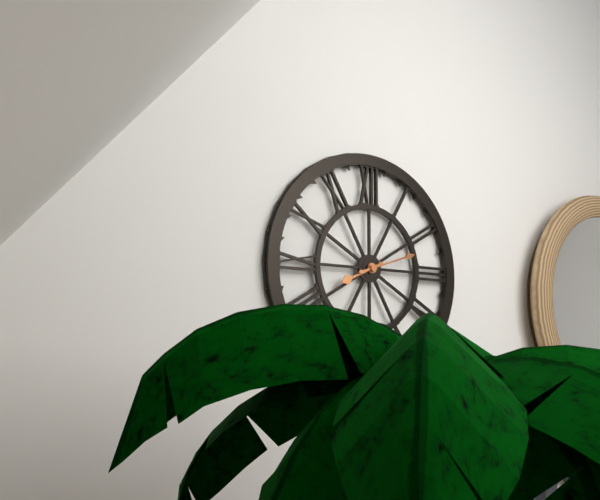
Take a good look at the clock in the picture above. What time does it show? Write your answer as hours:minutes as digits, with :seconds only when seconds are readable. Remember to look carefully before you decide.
8:12
